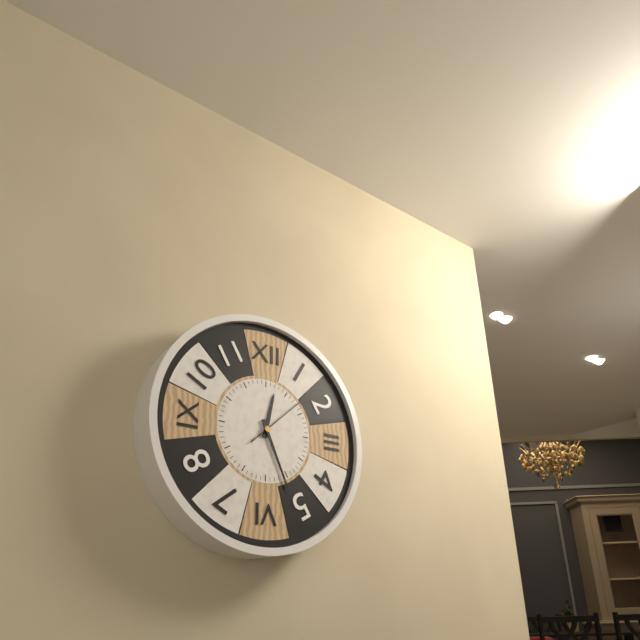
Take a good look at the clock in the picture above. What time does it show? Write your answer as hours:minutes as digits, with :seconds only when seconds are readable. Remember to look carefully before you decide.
12:26:08
